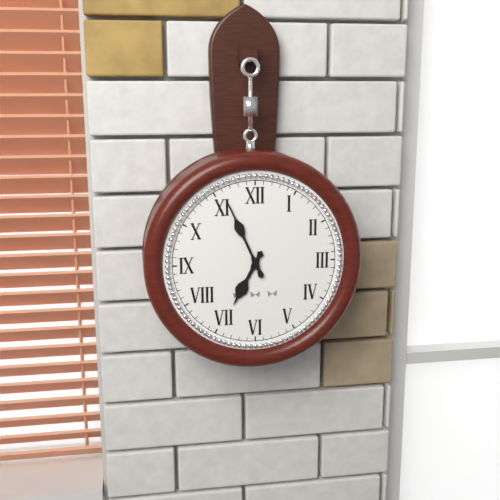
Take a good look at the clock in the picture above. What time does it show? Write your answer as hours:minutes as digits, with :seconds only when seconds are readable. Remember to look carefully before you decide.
6:56
